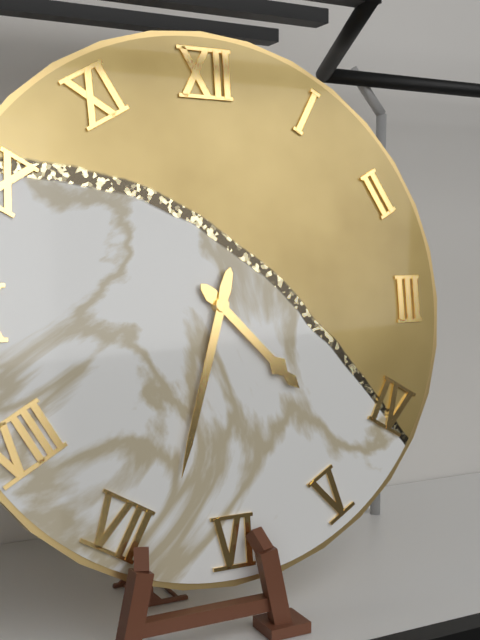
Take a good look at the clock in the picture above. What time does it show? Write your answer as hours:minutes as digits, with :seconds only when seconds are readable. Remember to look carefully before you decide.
4:33
